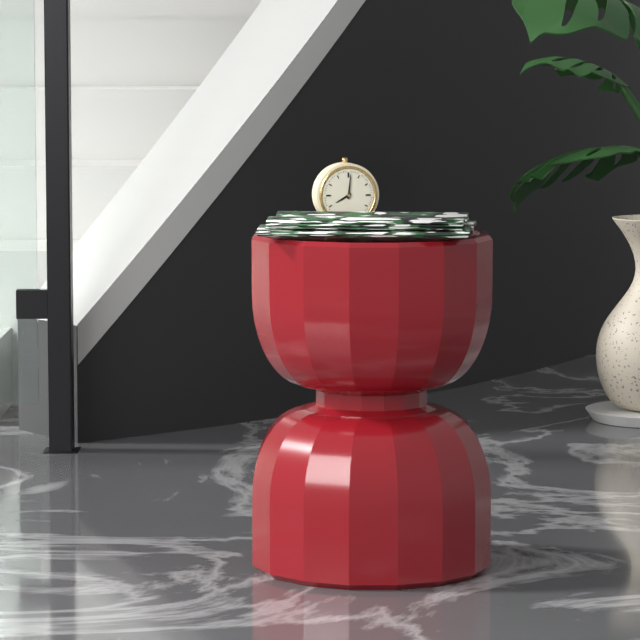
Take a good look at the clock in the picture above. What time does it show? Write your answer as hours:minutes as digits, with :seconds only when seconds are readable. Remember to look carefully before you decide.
8:01
